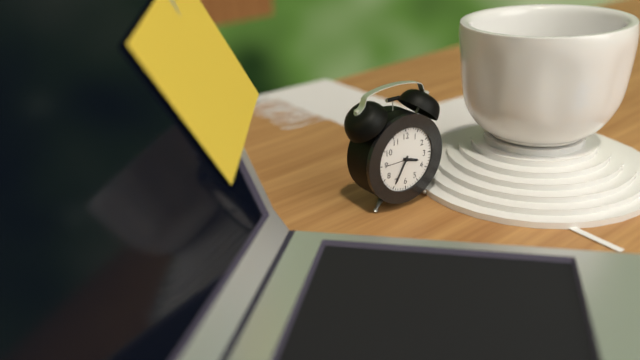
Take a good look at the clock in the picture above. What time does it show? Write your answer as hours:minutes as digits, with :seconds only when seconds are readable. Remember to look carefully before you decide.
3:35
